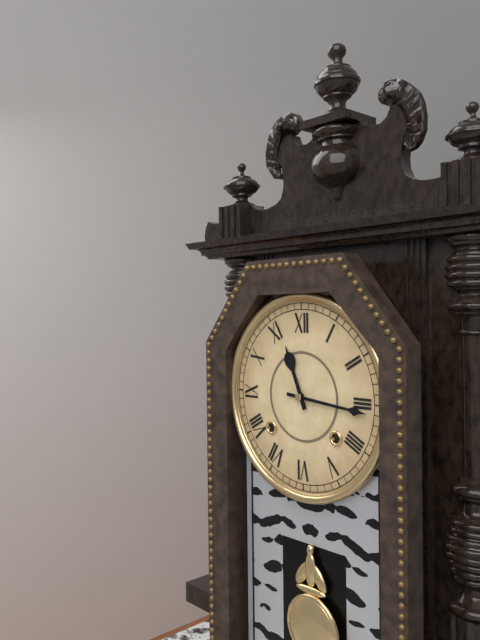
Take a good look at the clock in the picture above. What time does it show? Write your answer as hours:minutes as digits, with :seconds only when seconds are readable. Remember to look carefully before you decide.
11:16
